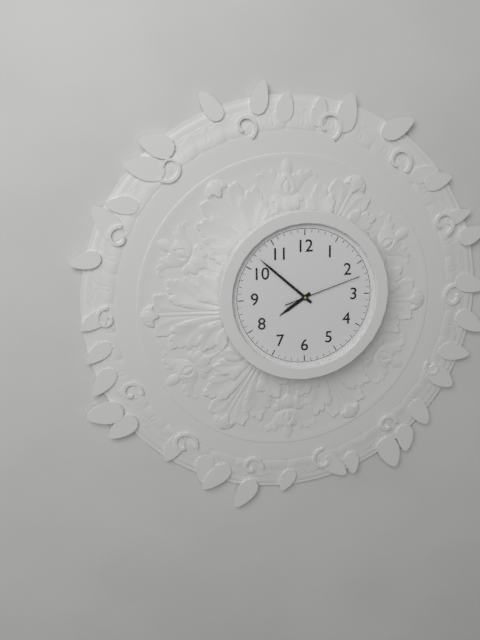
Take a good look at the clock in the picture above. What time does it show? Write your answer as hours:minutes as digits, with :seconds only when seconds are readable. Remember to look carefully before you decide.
7:52:12
